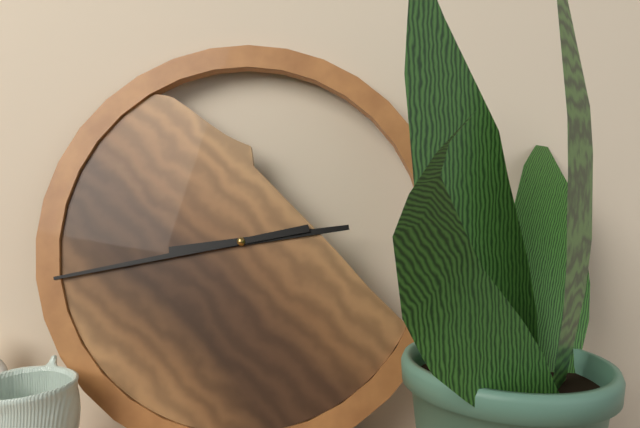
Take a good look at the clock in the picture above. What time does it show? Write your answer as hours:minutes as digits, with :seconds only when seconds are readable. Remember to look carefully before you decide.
2:43
